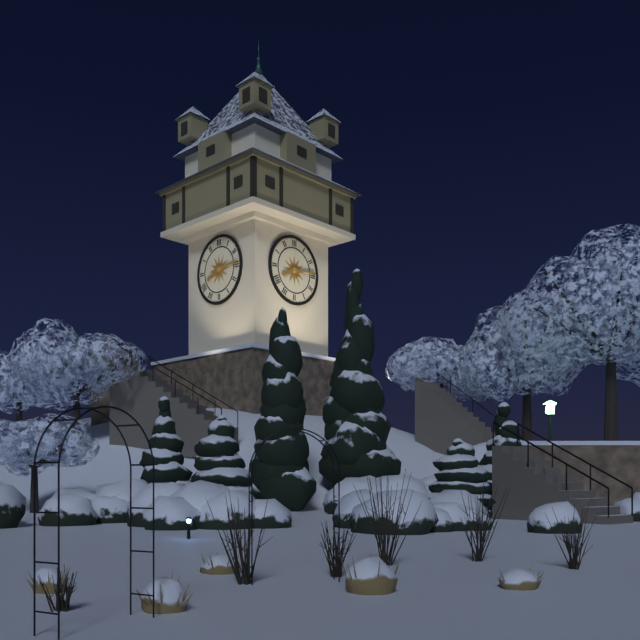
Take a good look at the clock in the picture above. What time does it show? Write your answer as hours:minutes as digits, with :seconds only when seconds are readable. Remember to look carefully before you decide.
8:14
